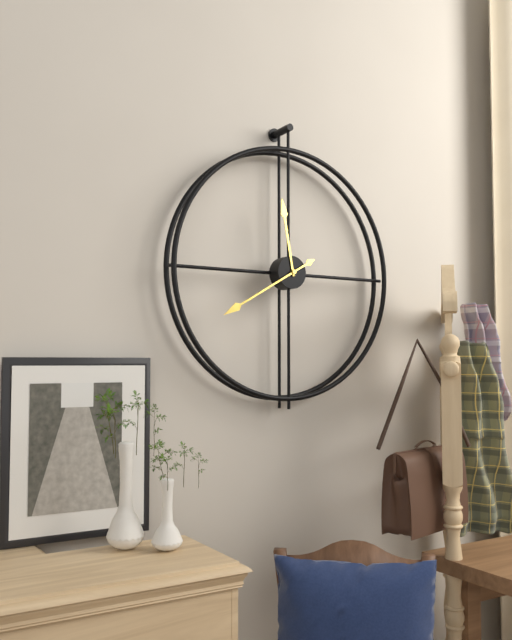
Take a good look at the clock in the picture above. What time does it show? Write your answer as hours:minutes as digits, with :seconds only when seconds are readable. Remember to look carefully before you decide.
11:40
